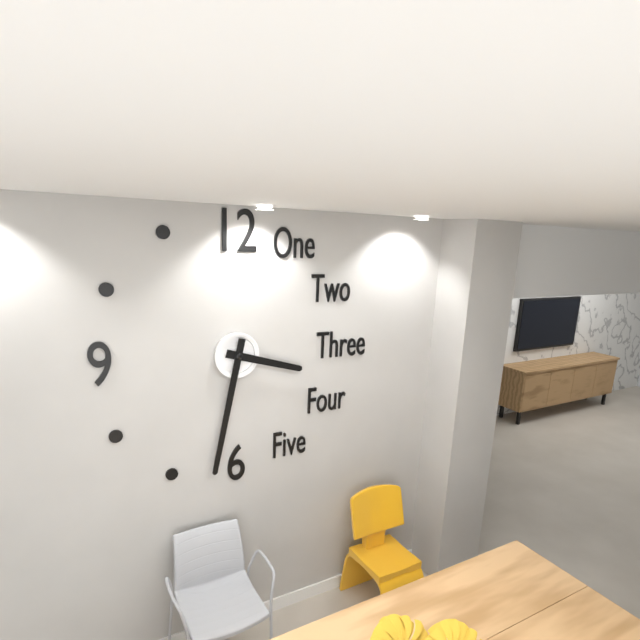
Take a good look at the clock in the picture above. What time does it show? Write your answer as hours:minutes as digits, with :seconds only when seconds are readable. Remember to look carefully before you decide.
3:32
